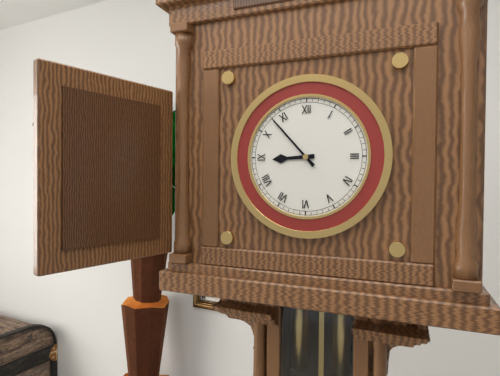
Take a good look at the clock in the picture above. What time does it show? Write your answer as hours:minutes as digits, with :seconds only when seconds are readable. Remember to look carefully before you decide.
8:53
